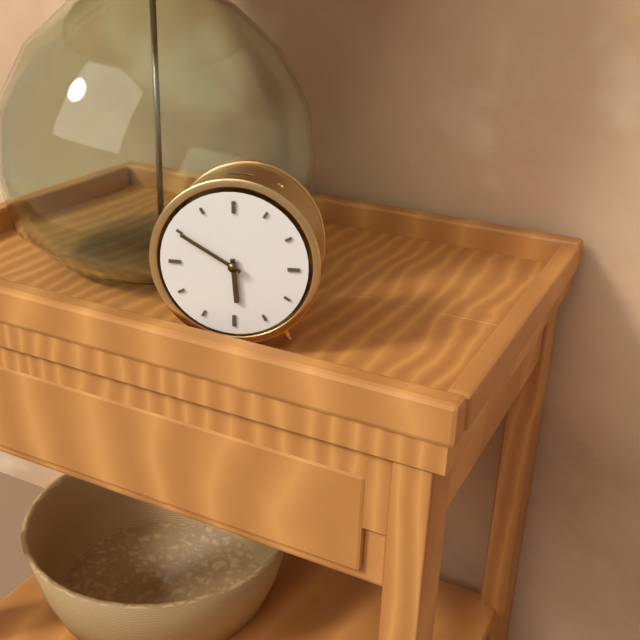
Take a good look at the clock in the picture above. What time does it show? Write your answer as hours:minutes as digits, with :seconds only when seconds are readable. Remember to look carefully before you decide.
5:50
